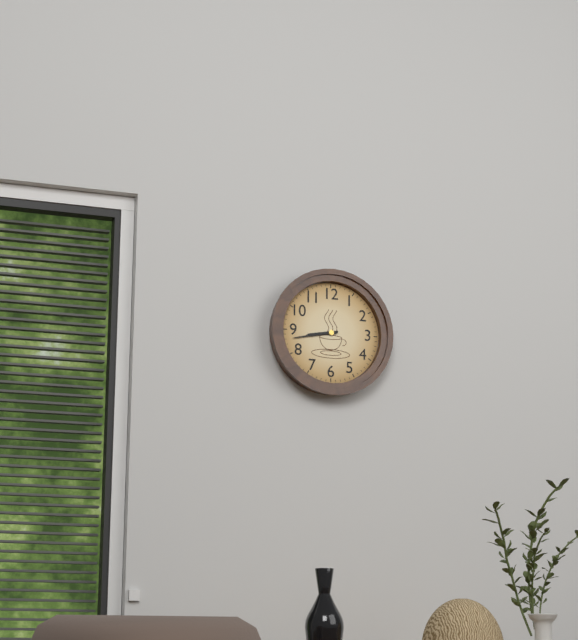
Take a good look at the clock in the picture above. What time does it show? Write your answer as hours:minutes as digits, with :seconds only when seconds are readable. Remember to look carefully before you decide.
8:43
